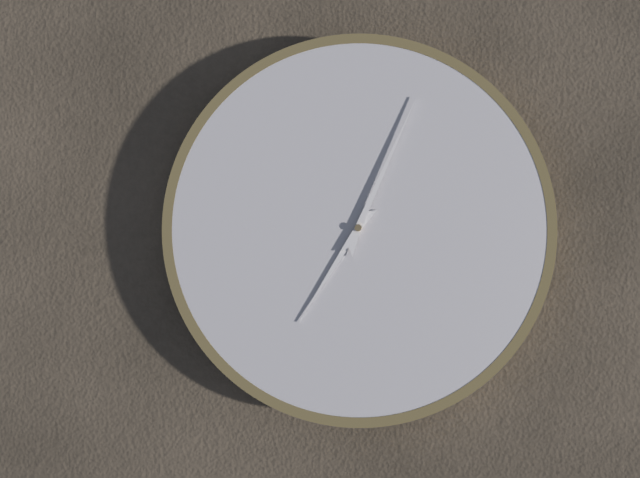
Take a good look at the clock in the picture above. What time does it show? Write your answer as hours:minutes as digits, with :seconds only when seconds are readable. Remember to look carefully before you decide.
7:04
